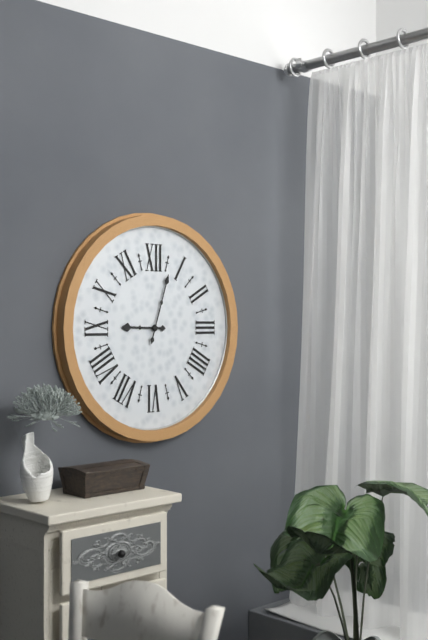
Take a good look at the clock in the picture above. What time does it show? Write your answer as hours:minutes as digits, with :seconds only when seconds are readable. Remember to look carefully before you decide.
9:03
